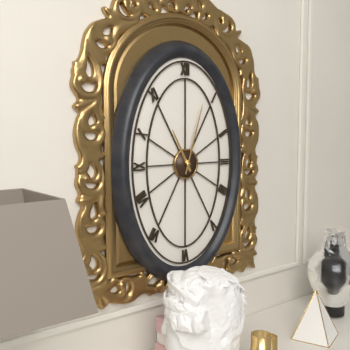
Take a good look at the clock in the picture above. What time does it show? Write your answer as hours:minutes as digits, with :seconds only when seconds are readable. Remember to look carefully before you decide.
11:03
